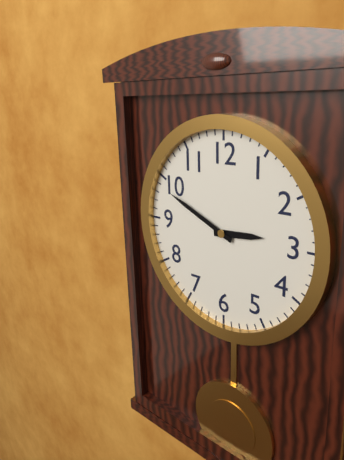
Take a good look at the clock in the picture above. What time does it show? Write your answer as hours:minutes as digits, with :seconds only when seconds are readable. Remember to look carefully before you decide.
2:49
